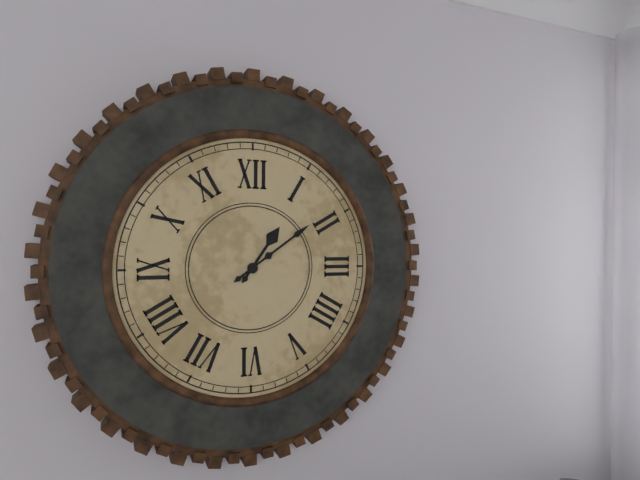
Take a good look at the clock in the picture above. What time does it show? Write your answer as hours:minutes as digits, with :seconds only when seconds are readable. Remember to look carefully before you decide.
1:09
